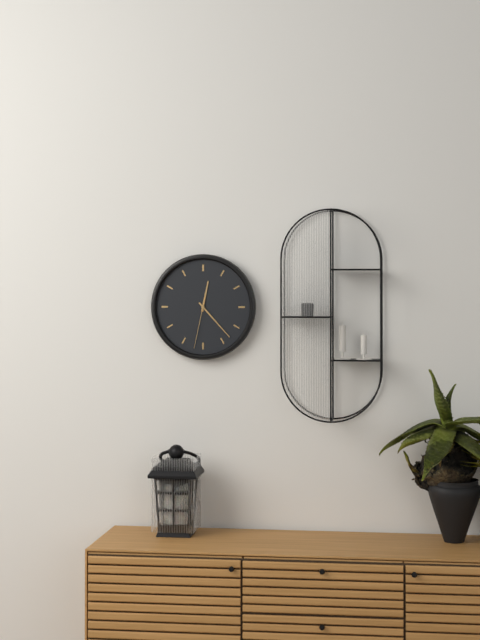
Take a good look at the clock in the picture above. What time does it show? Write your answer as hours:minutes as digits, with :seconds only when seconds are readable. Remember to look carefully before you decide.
12:23:32
